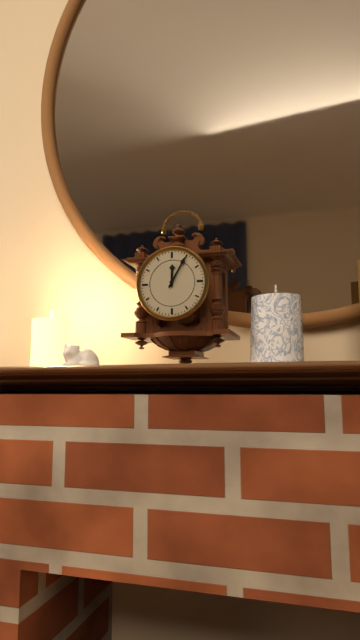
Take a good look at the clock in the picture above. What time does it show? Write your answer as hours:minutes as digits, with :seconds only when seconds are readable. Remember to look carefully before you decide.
12:05
